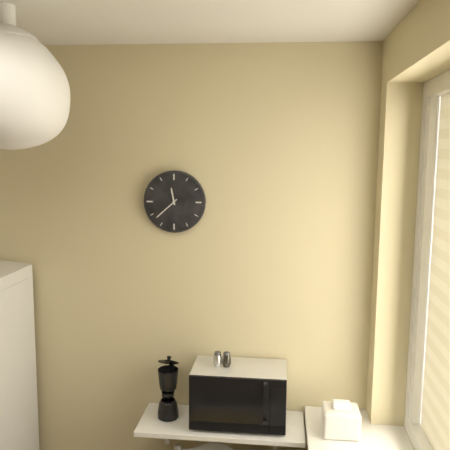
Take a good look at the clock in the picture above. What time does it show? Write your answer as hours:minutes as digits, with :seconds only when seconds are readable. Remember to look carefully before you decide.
11:38
